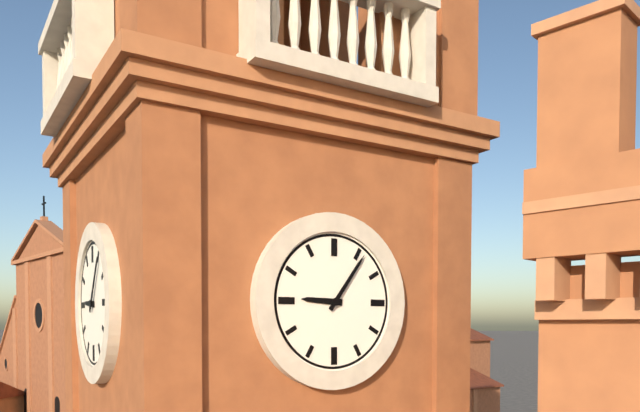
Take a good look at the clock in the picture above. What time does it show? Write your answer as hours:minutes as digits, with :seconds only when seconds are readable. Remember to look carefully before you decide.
9:06
